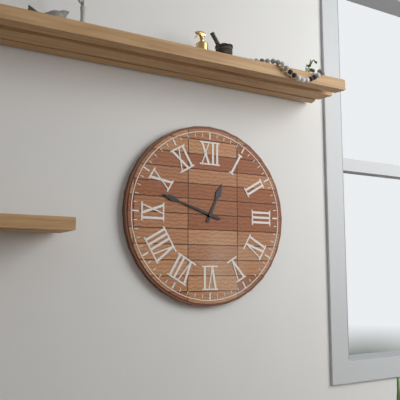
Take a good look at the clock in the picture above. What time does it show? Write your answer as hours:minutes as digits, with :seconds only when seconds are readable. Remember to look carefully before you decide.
12:48
